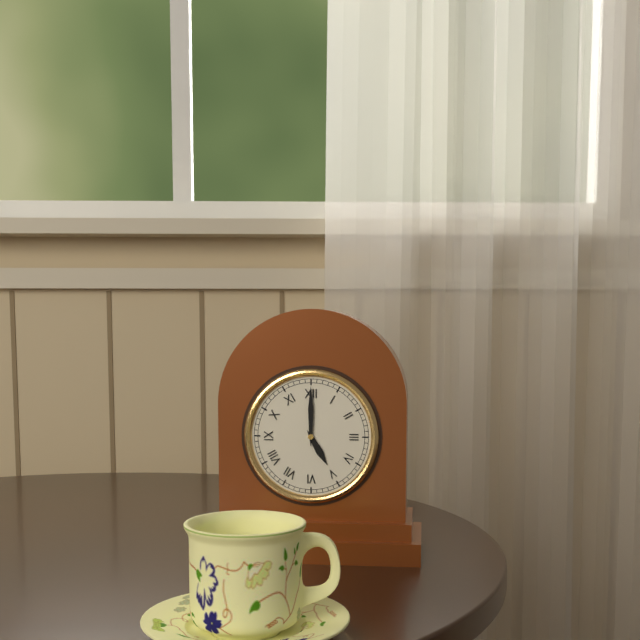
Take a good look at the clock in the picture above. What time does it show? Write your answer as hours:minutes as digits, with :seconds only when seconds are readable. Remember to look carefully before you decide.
5:00
